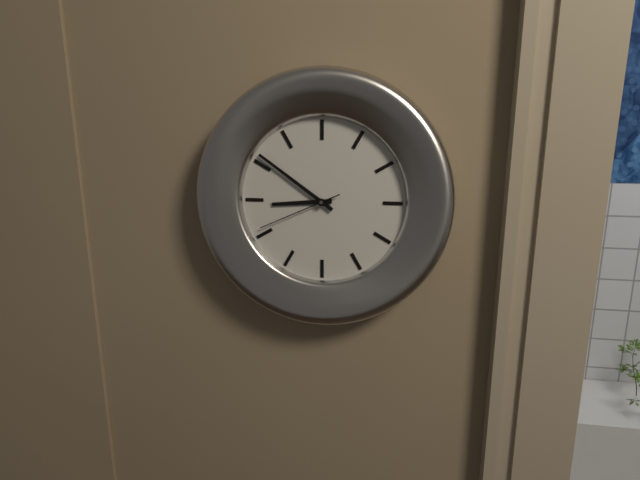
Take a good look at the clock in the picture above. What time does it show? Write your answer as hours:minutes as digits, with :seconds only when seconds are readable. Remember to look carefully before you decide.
8:51:41
